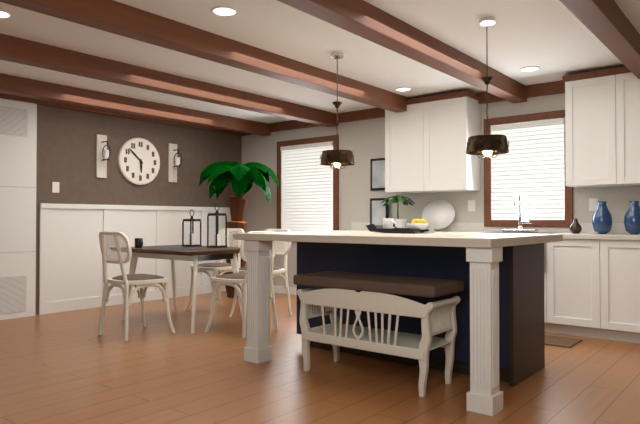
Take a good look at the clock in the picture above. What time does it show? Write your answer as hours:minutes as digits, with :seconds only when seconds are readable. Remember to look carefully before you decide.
5:52
